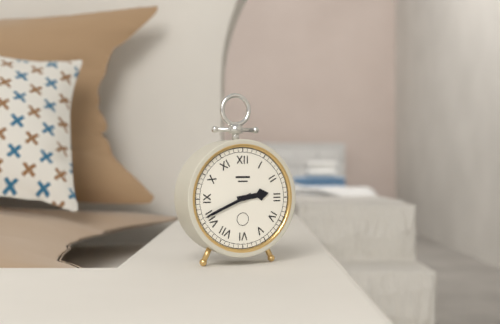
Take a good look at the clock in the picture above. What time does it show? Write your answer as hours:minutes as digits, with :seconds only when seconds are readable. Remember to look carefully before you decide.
2:41
